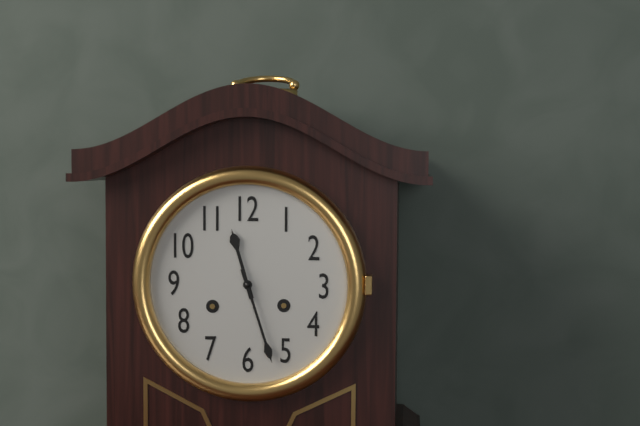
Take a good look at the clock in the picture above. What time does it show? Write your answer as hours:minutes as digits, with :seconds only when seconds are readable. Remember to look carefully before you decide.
11:27
